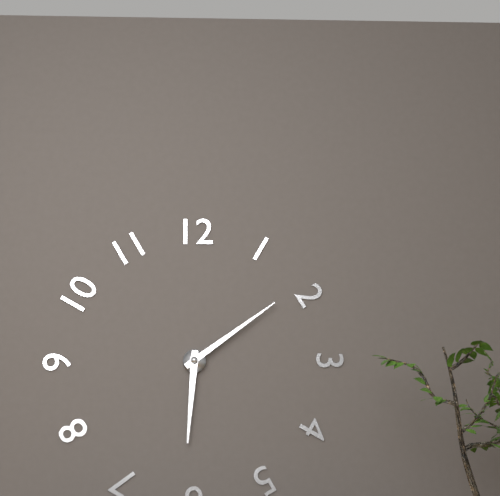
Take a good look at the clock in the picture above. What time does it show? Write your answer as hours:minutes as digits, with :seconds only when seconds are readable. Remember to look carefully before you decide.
6:09
